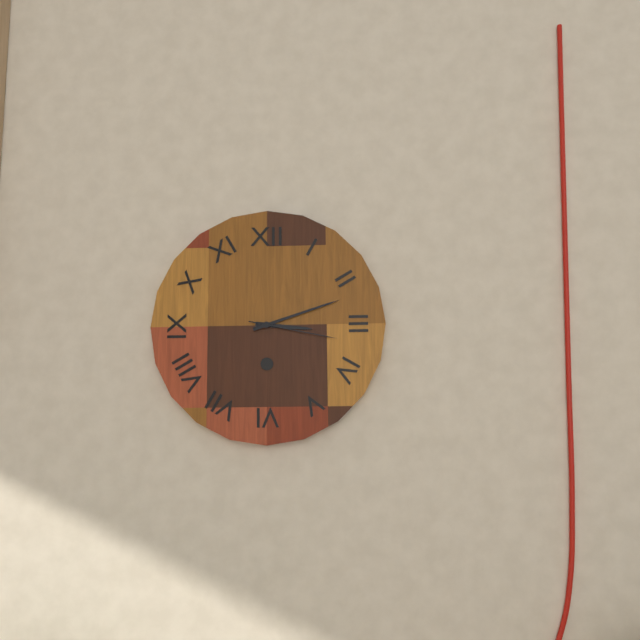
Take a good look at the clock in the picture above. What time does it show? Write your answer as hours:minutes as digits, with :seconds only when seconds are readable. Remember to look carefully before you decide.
3:12:17
